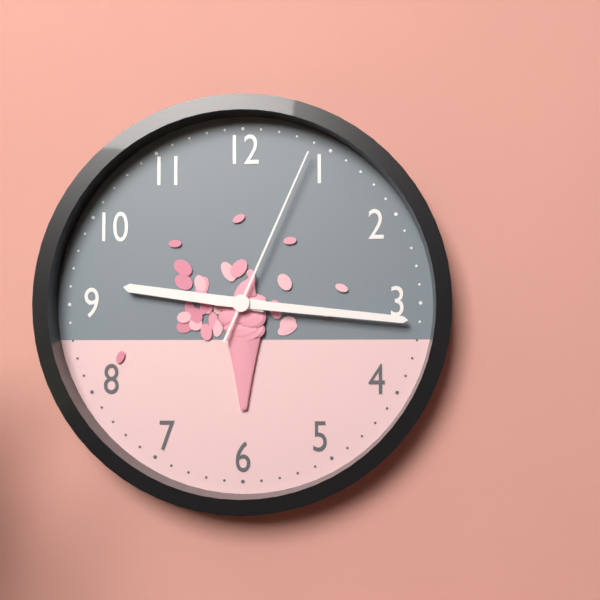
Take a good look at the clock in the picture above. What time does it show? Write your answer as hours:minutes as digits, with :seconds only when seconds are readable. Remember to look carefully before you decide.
9:16:04
